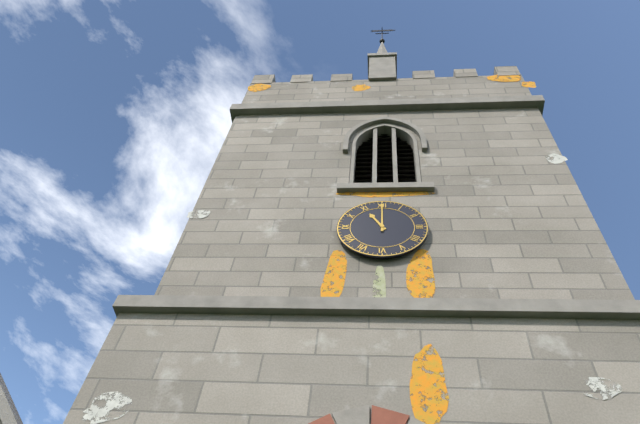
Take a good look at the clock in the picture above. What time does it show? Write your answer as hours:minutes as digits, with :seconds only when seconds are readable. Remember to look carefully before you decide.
11:00
